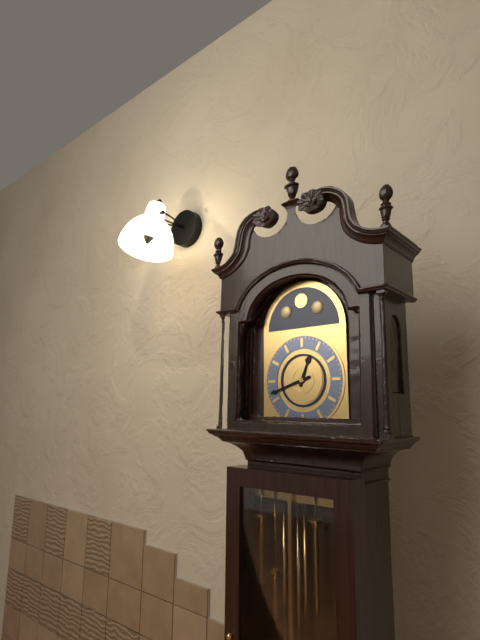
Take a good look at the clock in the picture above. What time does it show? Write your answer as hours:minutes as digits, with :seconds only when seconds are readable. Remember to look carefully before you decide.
12:42
